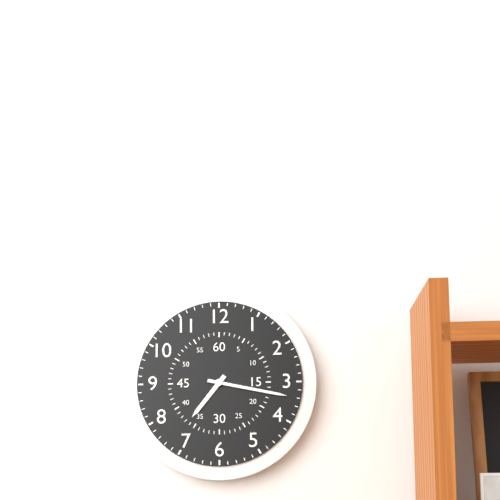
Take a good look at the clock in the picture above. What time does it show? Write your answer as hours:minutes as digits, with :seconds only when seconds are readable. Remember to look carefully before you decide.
7:17
